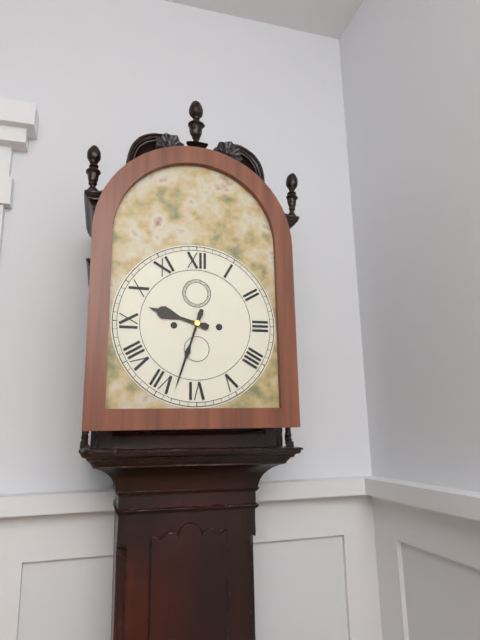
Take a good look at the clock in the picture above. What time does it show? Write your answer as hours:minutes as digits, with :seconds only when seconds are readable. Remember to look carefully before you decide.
9:33
